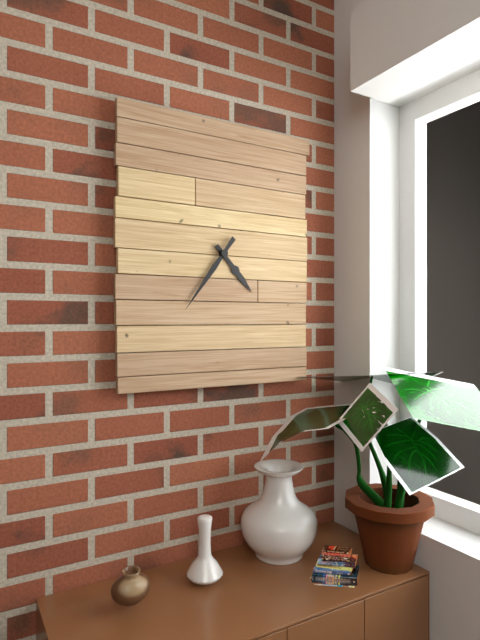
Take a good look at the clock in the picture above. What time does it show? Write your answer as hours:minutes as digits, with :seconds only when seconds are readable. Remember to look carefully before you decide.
4:36
